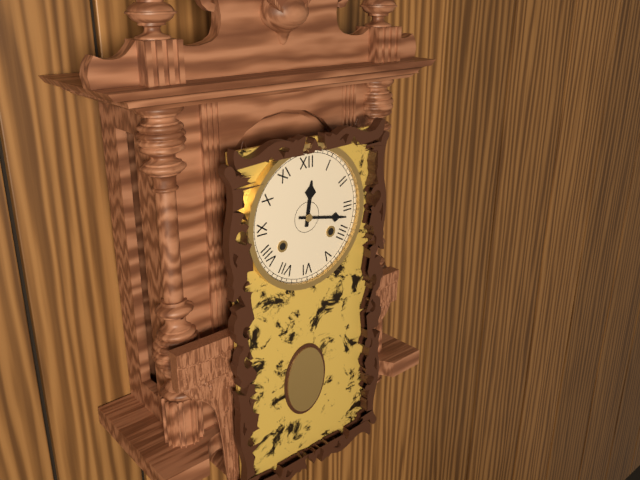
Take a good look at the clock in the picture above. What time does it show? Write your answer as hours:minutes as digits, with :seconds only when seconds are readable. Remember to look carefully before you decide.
12:17
